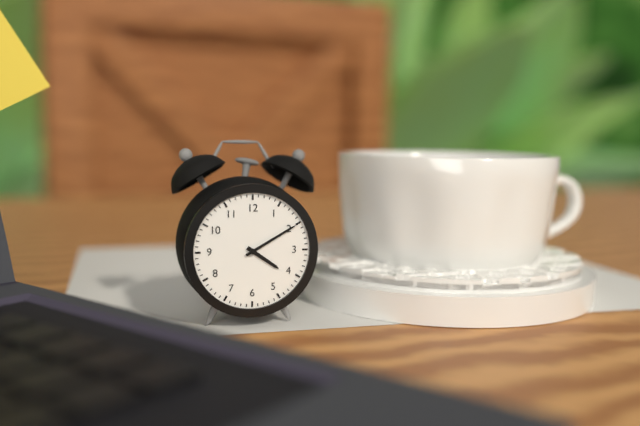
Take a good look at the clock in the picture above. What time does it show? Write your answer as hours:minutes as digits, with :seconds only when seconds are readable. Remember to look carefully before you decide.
4:10
